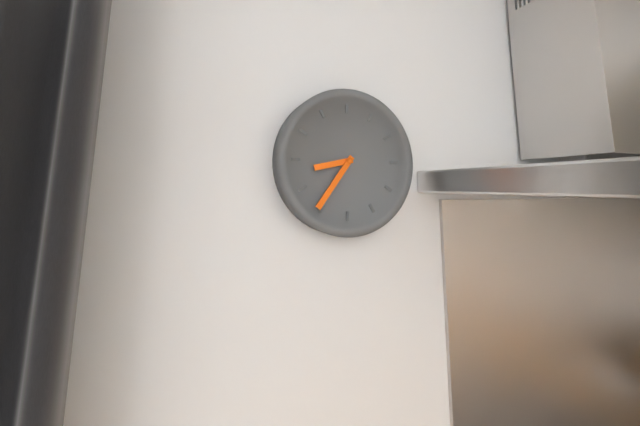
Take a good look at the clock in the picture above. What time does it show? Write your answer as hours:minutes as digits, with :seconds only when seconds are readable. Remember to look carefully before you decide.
8:36
